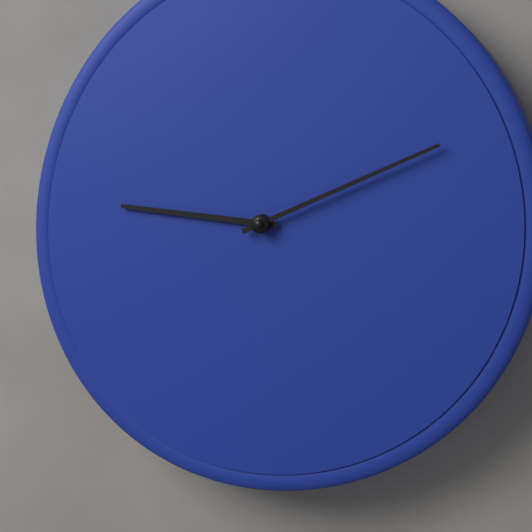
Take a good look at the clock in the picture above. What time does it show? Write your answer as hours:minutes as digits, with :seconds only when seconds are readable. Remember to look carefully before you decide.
9:11
